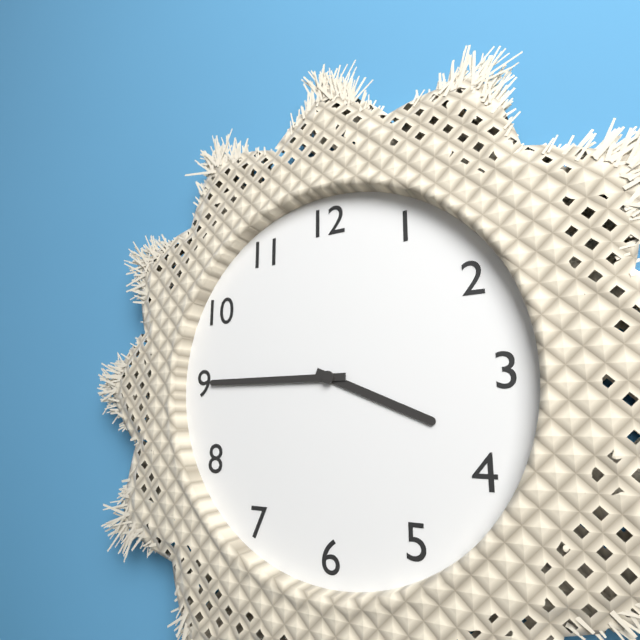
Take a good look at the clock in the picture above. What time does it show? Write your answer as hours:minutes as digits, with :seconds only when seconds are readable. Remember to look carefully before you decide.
3:45
